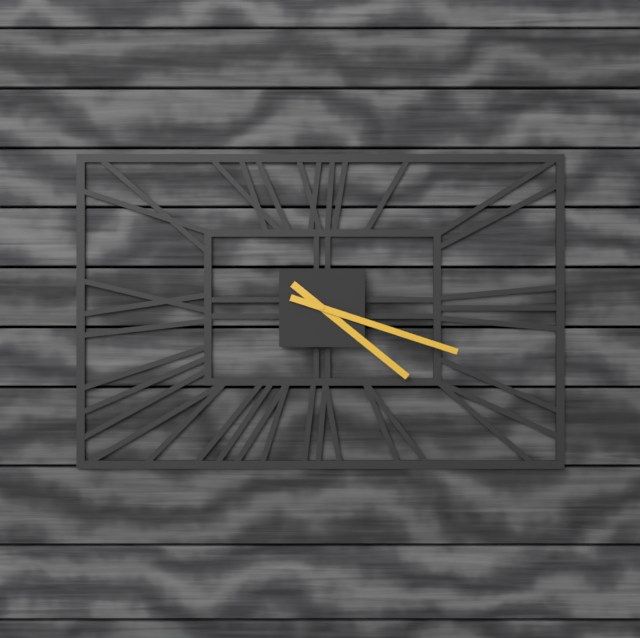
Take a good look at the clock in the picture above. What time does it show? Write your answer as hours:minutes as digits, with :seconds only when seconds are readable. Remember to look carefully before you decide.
4:18
